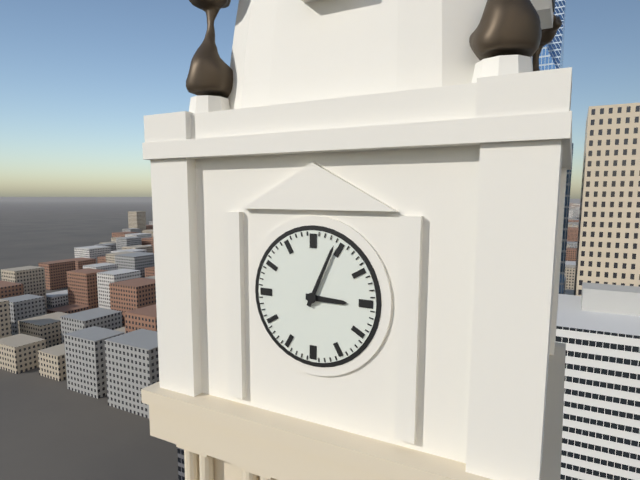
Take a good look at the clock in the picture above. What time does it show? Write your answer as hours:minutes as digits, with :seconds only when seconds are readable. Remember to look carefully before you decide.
3:04
